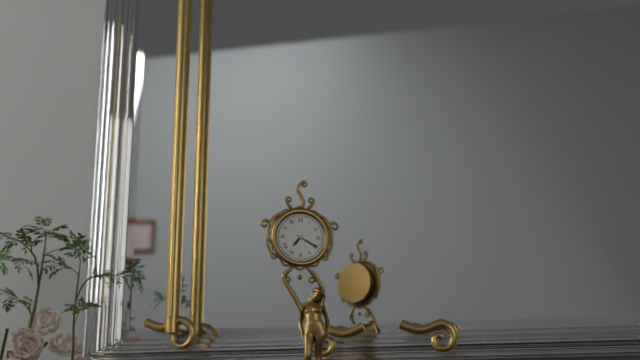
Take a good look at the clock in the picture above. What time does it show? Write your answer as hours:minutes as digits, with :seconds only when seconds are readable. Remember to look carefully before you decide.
7:20
